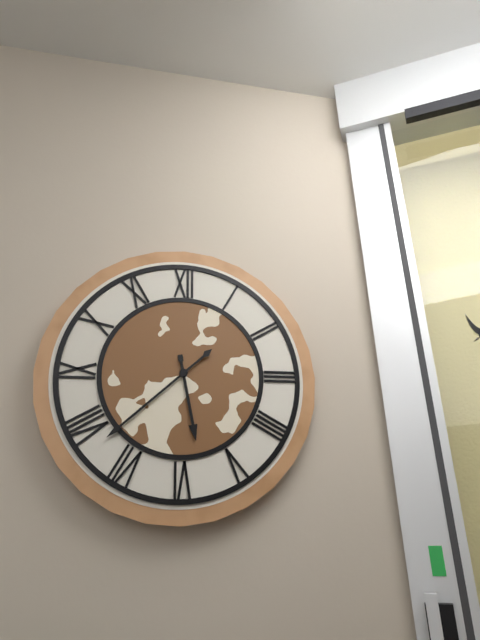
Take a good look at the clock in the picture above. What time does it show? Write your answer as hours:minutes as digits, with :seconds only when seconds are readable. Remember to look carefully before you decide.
5:38
